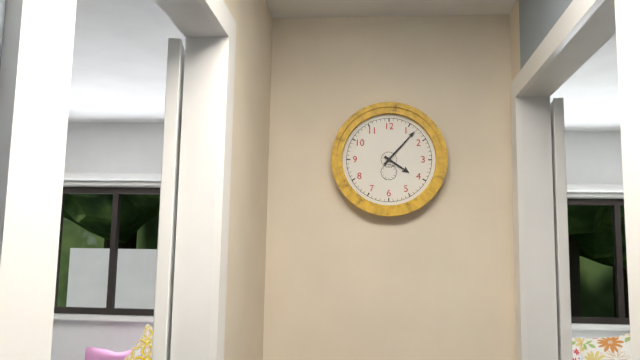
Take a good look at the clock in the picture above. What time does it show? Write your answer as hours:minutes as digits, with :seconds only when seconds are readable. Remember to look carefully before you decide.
4:07
